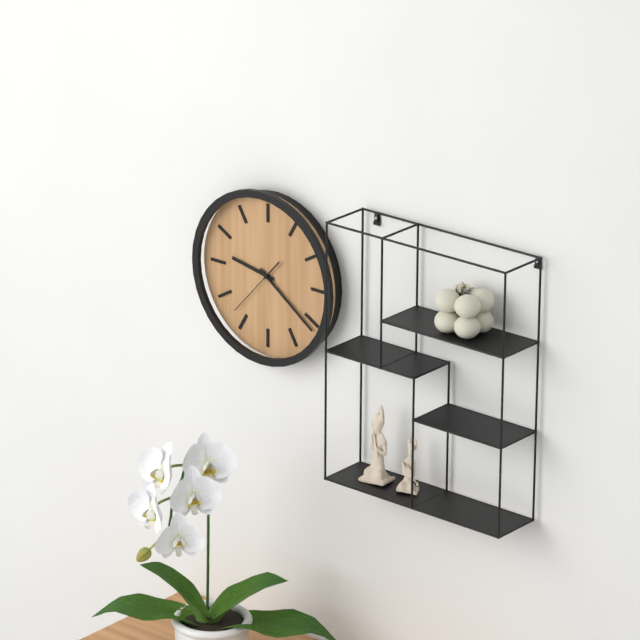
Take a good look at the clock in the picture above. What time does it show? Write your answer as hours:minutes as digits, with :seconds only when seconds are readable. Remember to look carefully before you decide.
9:21:37
